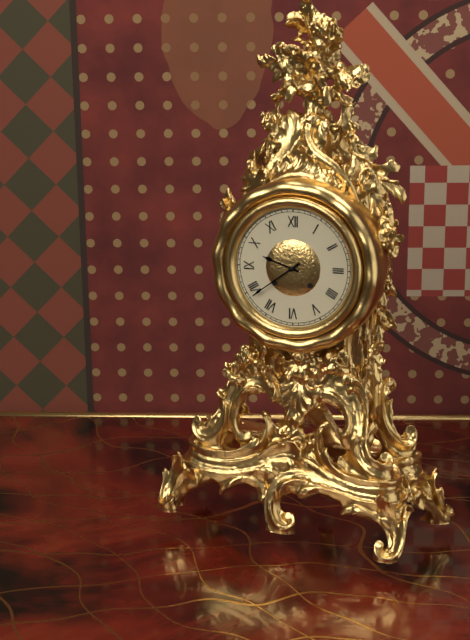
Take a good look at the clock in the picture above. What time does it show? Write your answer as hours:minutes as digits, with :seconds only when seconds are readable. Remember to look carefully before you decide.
9:39
